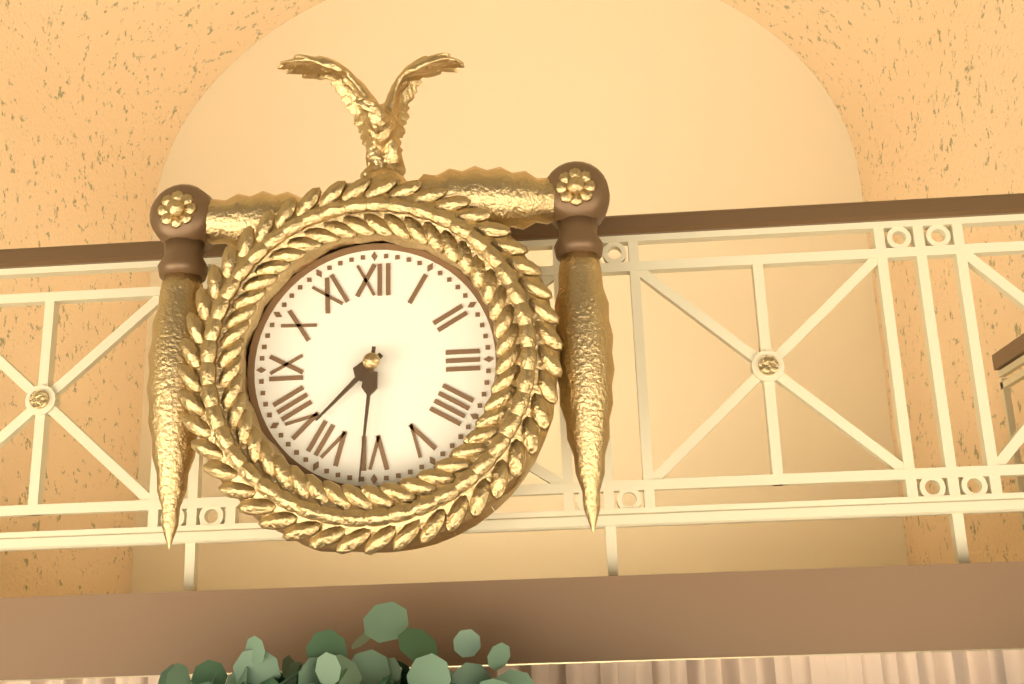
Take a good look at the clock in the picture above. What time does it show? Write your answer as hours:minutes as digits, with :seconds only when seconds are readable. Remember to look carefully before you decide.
7:31
